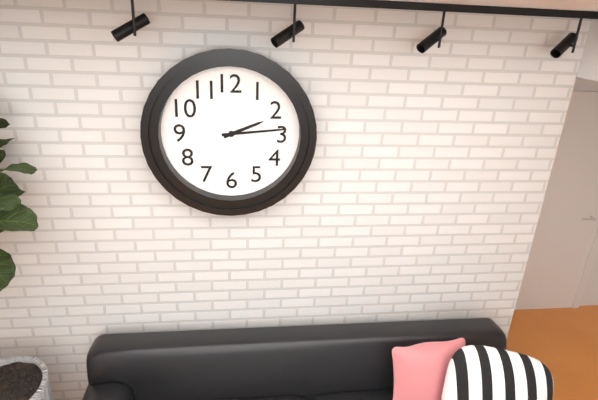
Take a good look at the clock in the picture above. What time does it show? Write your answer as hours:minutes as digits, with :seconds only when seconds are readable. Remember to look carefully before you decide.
2:14
